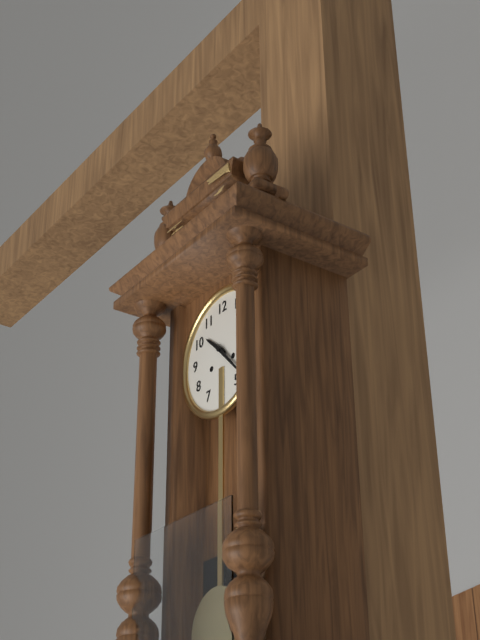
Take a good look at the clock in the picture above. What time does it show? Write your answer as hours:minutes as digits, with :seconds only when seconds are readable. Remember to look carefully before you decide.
10:23
